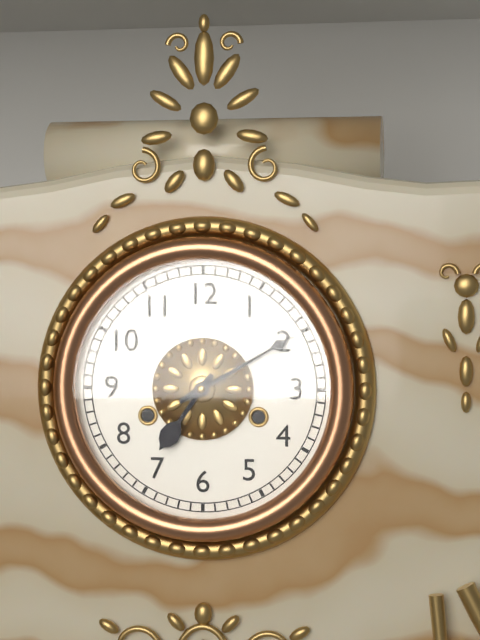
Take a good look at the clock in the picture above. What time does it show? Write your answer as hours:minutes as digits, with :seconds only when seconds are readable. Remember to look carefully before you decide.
7:10
